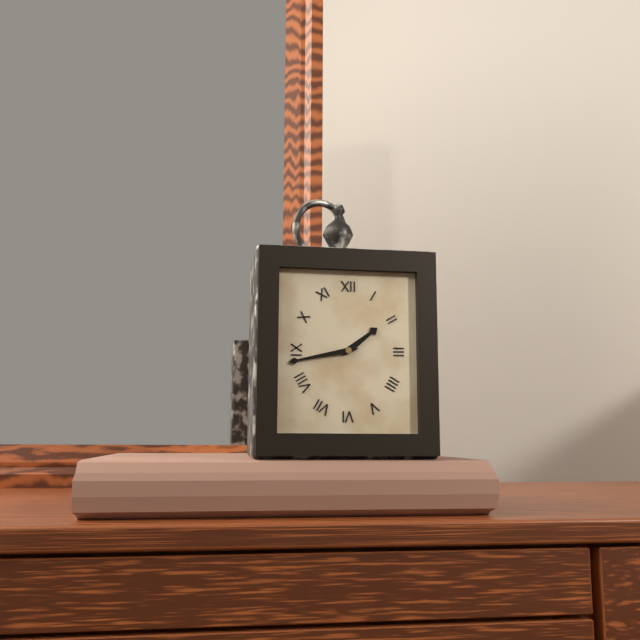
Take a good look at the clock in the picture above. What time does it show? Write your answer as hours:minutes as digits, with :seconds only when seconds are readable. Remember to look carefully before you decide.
1:43
